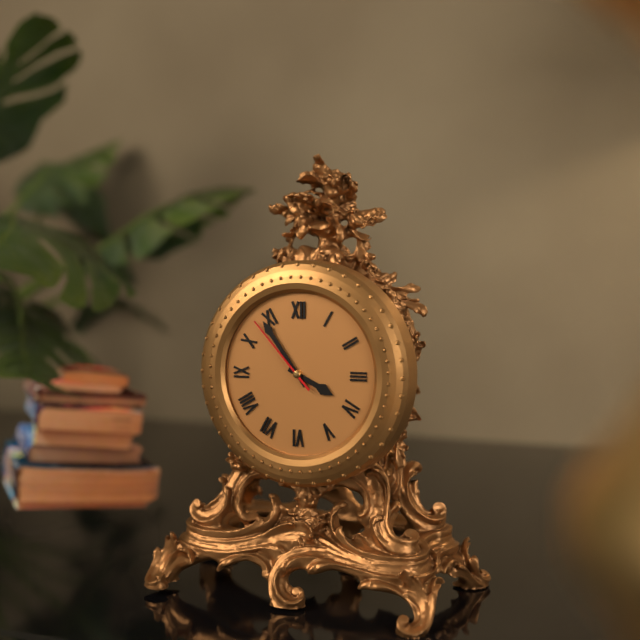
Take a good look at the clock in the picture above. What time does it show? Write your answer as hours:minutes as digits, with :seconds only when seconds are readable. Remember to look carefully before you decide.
3:54:53
